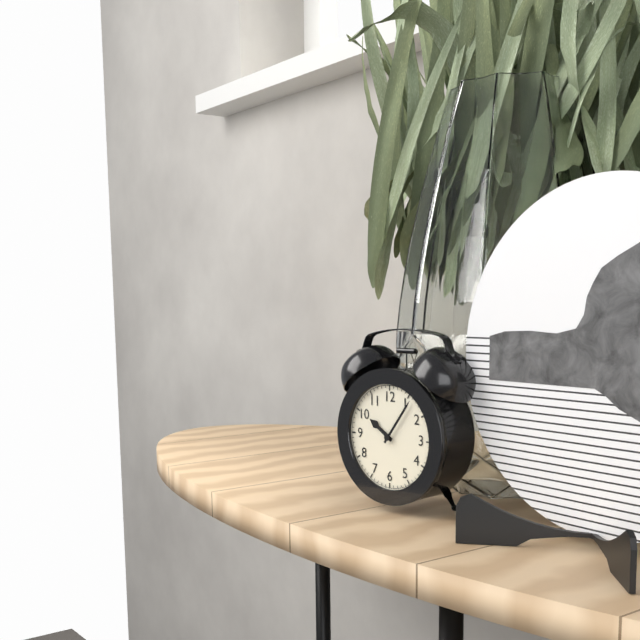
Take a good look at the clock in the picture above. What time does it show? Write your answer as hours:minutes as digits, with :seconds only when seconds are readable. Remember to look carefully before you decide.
10:06
